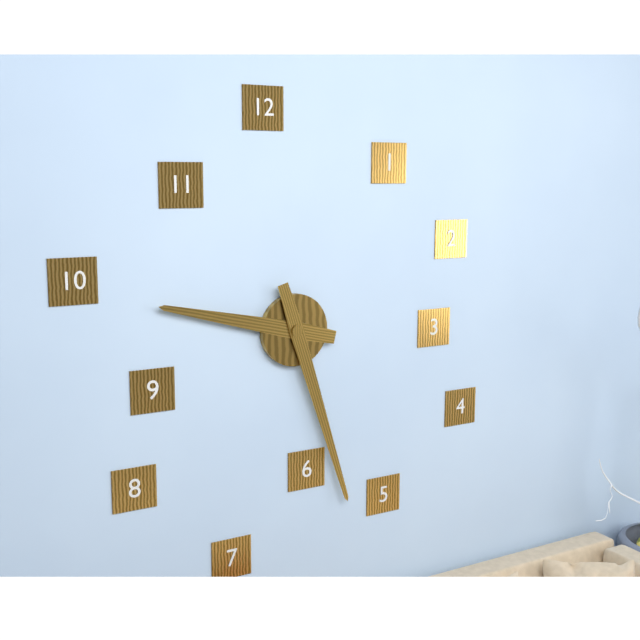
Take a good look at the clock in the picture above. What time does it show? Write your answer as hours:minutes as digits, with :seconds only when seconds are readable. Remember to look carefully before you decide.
9:27
